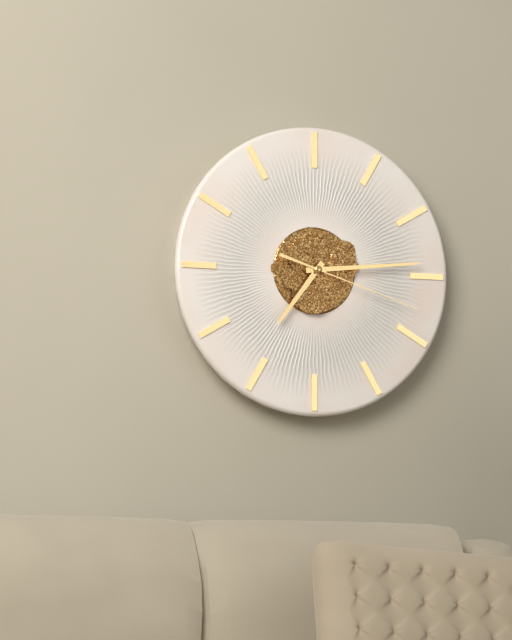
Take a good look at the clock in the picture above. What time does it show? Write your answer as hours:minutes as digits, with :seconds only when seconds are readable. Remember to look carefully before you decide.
7:14:18
